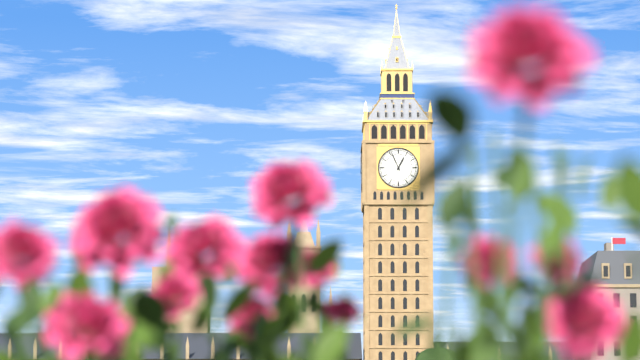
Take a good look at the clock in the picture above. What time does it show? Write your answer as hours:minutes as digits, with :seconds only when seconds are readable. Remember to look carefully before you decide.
12:56
